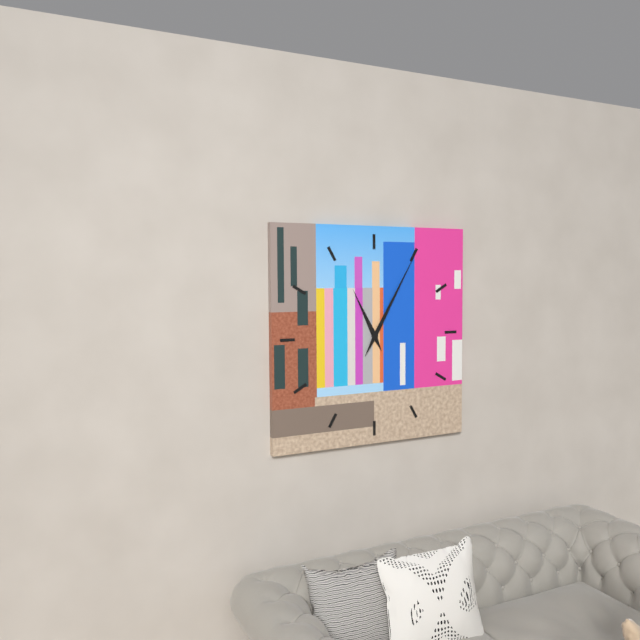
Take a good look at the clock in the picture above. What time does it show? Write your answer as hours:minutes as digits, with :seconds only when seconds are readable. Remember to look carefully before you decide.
11:05
